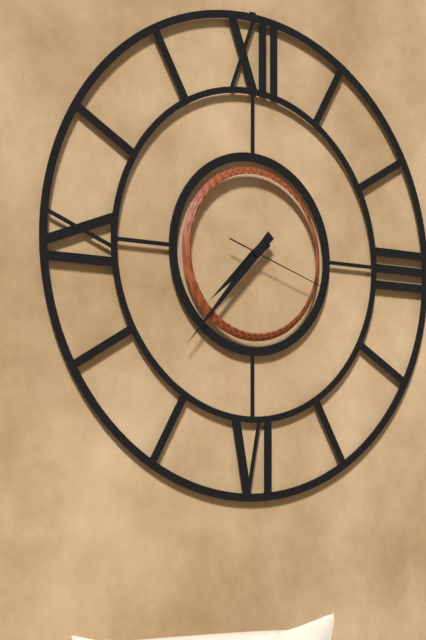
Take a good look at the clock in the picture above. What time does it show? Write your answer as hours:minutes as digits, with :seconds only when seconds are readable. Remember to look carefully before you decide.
7:37:18
